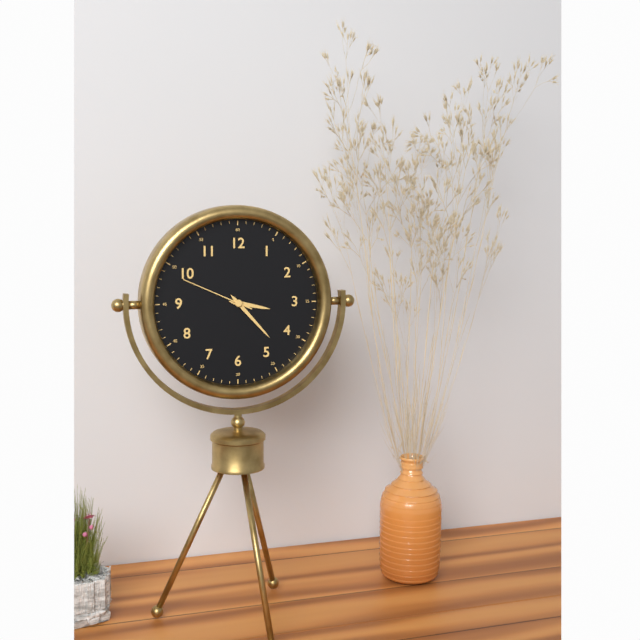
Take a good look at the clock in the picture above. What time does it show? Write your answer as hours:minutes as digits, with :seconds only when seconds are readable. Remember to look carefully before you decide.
3:23:49
